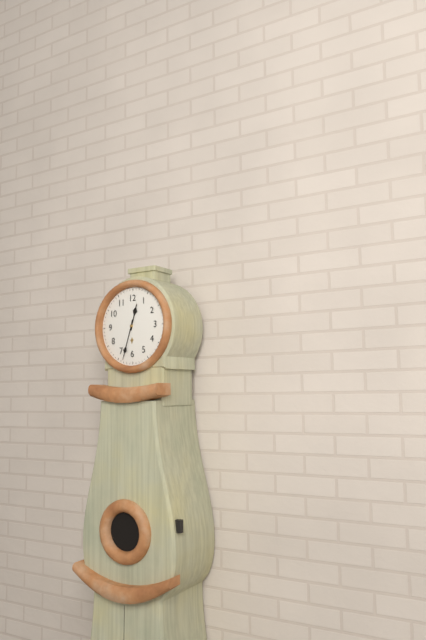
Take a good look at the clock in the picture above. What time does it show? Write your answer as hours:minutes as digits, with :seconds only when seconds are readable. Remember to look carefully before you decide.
12:33
